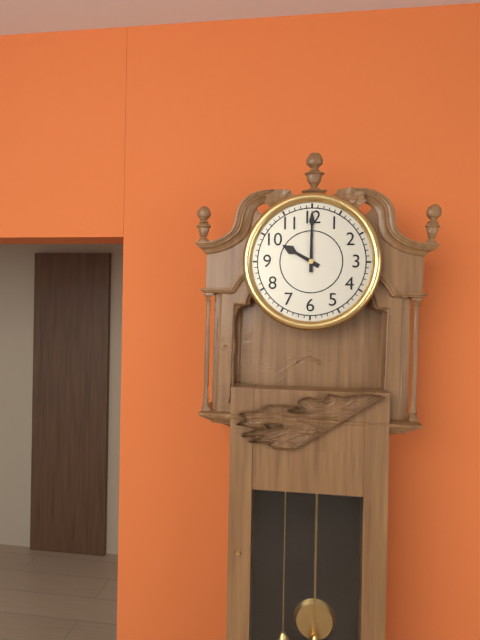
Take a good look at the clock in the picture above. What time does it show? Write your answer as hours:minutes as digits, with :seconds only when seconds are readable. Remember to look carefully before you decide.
10:00
